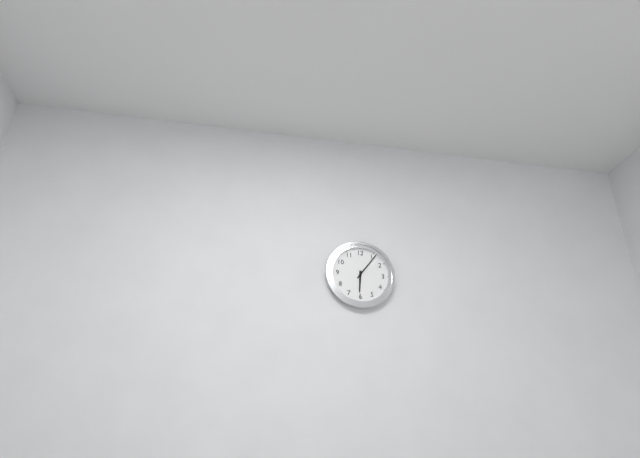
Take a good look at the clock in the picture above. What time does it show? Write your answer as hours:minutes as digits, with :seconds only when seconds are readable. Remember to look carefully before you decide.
6:06
